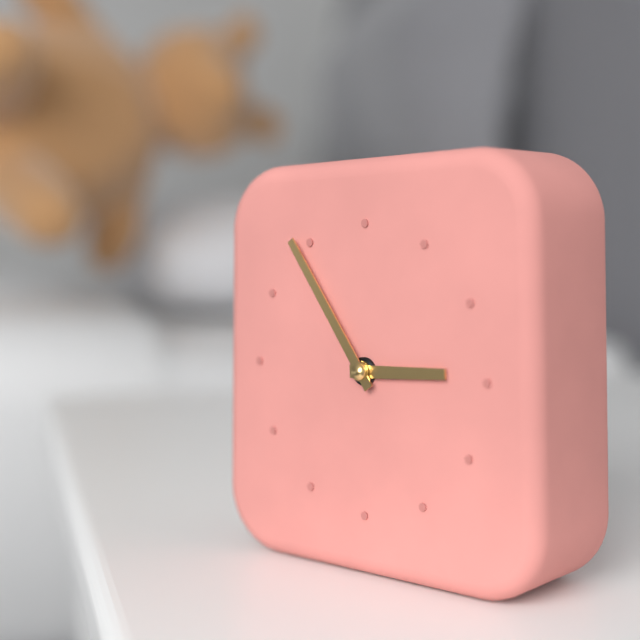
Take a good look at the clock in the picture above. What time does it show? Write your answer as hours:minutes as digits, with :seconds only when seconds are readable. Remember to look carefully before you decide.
2:54
